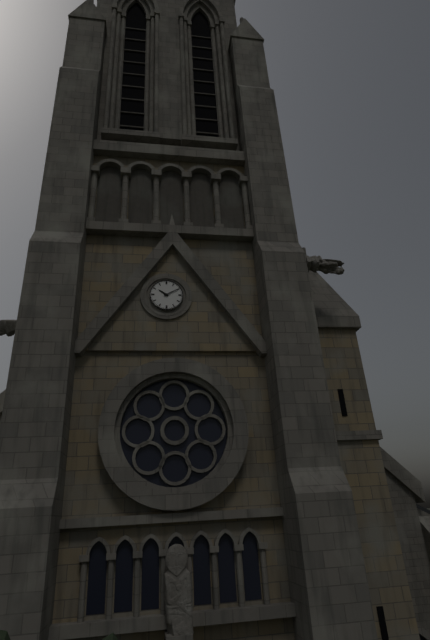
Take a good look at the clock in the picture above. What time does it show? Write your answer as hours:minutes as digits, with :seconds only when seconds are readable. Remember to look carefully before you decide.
10:10
